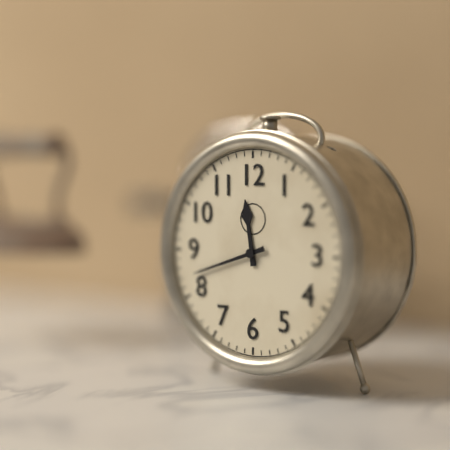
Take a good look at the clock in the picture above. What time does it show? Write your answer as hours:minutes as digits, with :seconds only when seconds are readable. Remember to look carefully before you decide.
11:42
